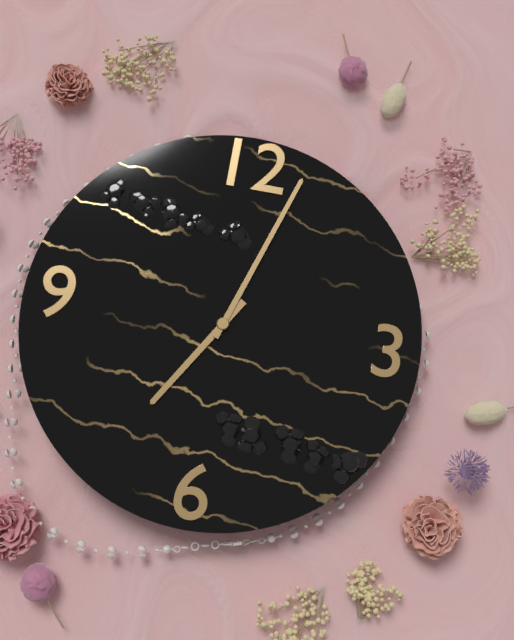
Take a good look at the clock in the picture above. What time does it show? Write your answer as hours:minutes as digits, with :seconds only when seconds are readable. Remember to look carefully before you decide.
7:03
